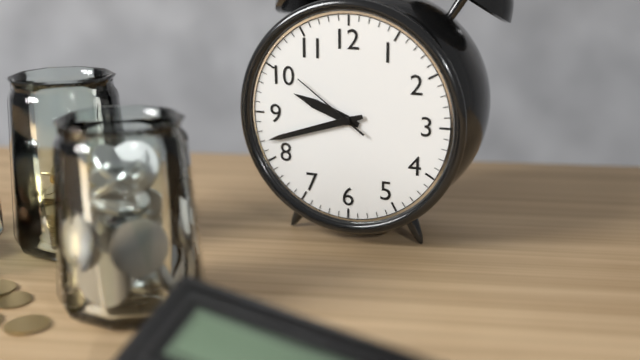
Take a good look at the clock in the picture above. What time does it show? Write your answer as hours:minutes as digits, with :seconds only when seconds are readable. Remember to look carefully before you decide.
9:42:51
